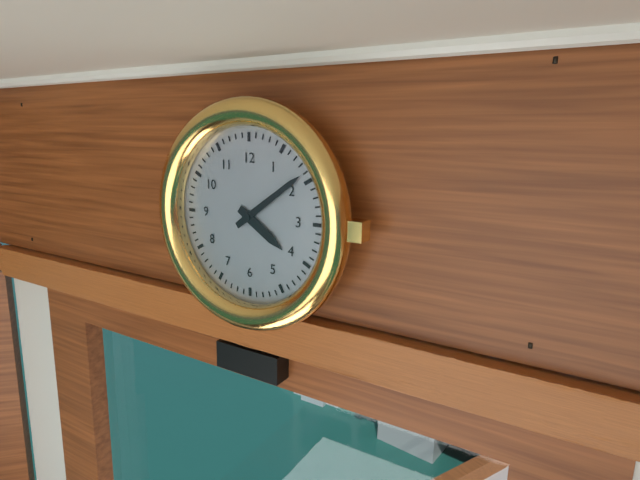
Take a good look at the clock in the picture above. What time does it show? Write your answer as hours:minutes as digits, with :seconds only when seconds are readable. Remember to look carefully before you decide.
4:09
